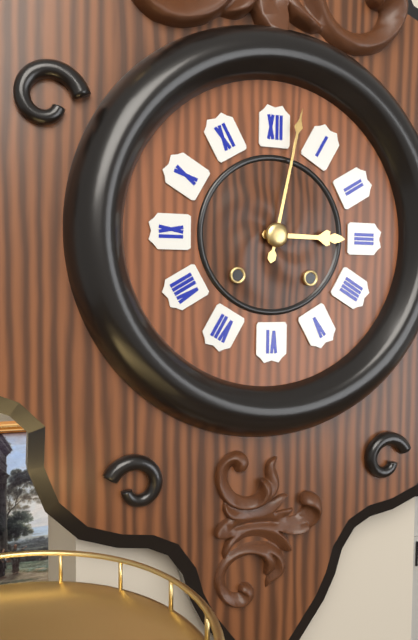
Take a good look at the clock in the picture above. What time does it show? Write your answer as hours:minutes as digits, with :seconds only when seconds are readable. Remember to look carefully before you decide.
3:02
